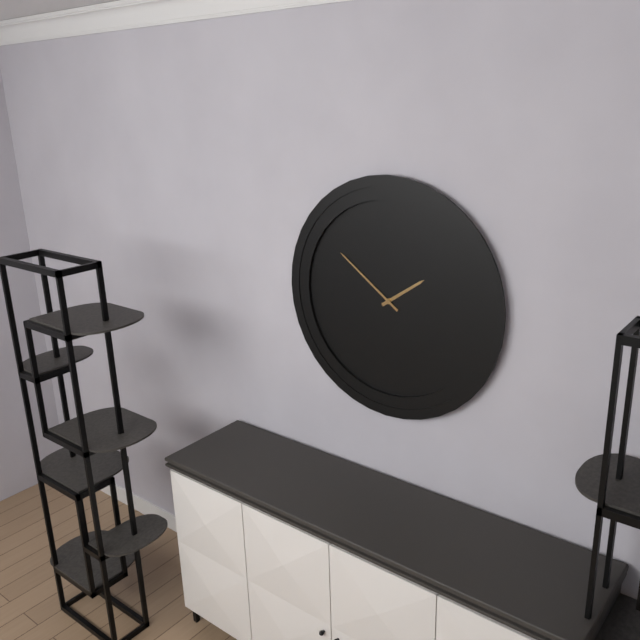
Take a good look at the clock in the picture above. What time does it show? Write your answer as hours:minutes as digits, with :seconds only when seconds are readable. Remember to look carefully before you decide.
1:51
